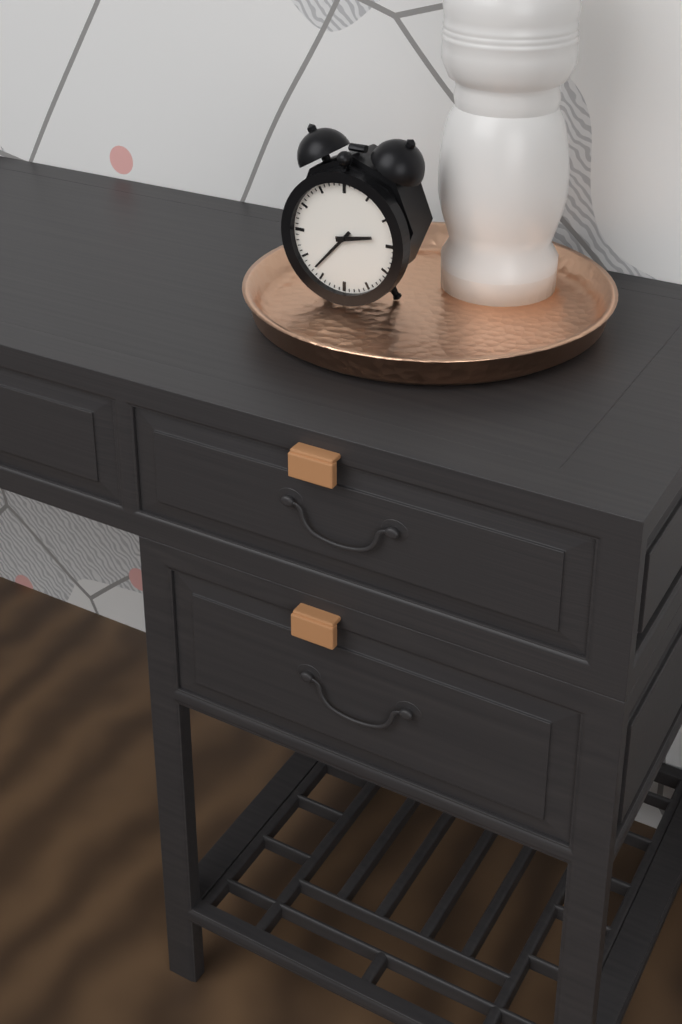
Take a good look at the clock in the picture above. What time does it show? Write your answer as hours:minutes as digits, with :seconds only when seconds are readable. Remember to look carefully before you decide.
2:37
